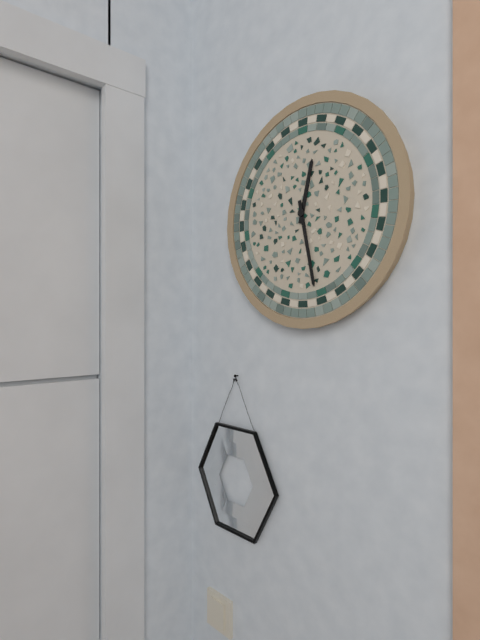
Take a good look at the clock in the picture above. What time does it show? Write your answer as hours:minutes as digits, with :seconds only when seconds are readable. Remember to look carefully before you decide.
12:28
